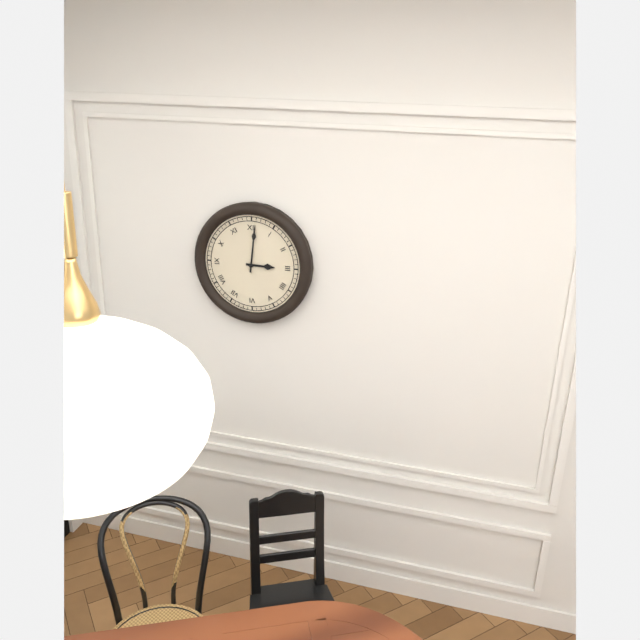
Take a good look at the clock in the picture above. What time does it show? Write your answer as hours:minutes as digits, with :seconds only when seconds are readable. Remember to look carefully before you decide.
3:01
